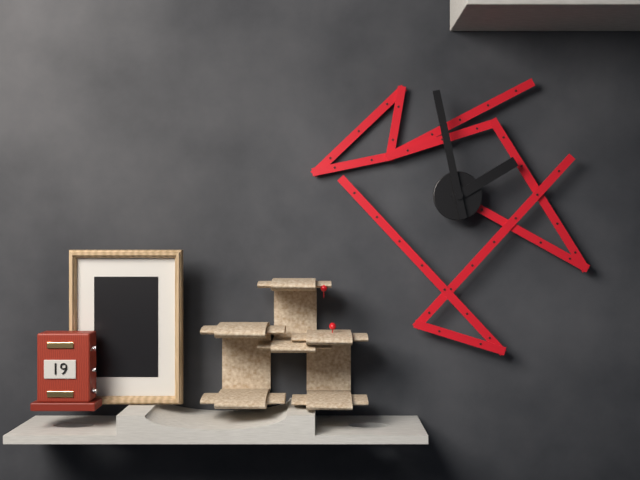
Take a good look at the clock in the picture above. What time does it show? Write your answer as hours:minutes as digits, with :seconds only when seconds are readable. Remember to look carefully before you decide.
1:58
